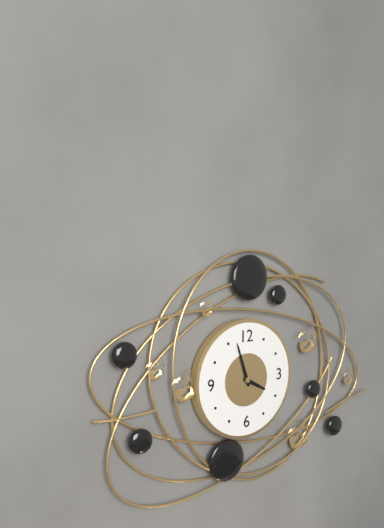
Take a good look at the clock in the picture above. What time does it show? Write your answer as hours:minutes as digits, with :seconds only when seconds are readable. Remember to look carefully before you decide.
3:57
